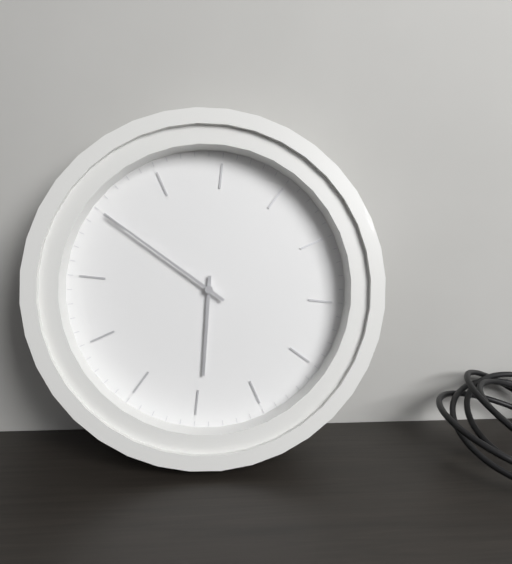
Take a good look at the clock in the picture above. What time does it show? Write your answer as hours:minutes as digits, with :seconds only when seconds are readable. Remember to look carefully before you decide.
6:55
